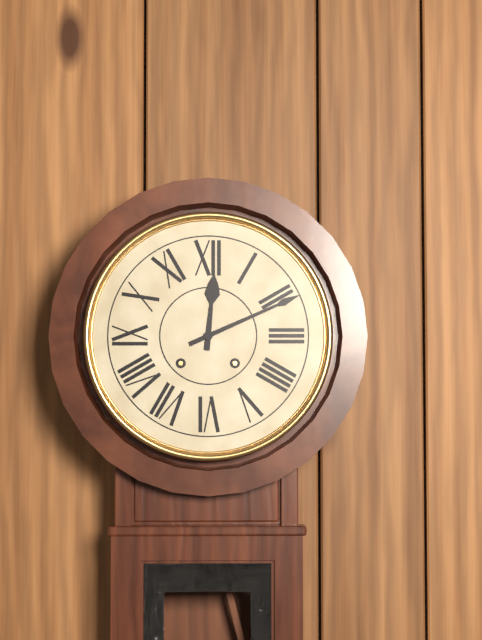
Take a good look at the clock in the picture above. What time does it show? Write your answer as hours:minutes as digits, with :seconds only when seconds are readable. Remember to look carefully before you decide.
12:11
